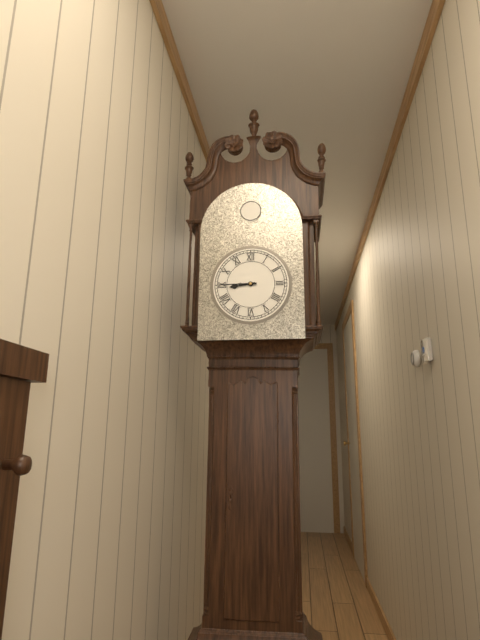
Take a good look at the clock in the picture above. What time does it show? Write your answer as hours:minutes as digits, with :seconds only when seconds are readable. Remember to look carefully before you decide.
8:45
